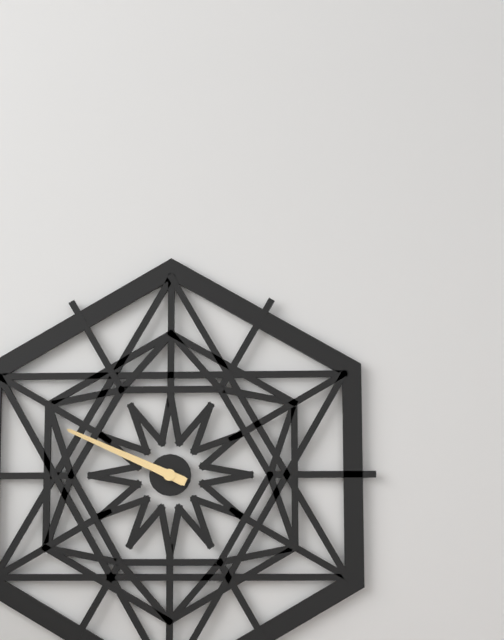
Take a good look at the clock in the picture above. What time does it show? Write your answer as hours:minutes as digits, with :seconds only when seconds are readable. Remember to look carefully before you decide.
9:49
